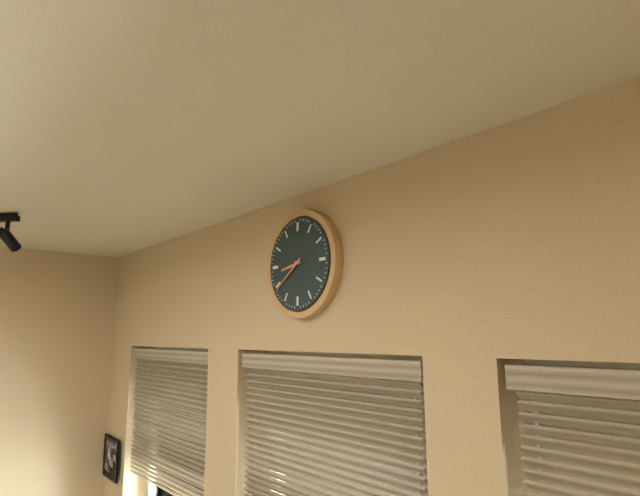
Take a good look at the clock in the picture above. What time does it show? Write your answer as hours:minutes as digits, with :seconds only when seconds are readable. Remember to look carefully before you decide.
8:39
